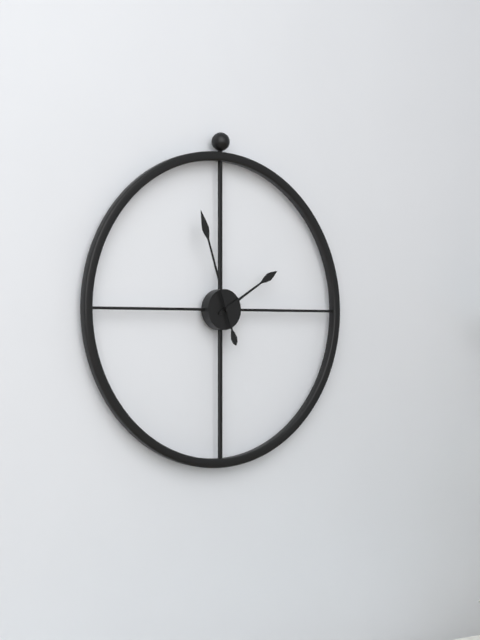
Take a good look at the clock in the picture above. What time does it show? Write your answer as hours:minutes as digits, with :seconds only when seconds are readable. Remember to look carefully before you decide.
1:57
